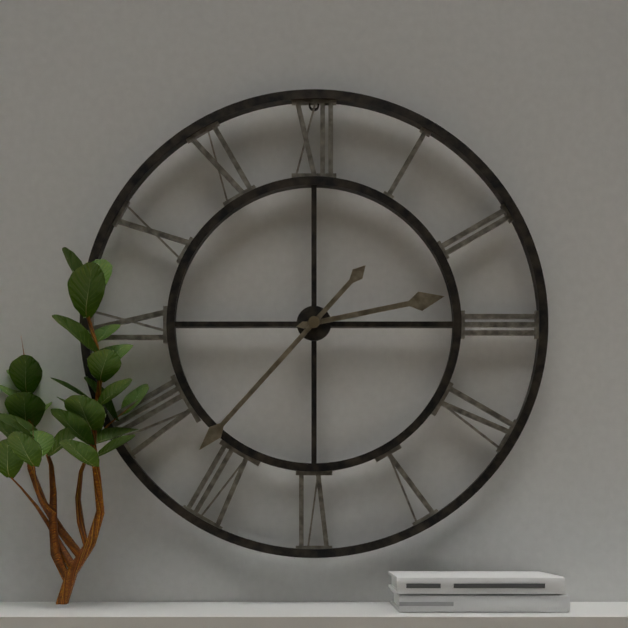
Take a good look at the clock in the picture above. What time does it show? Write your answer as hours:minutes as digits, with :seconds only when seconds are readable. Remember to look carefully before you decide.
2:37
